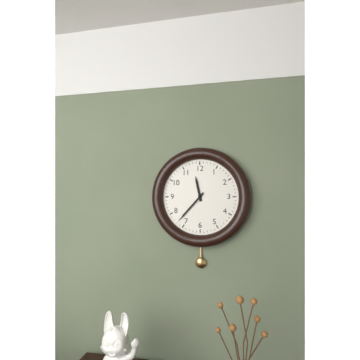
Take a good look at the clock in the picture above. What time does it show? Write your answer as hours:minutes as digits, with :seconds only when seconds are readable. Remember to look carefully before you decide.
11:37
